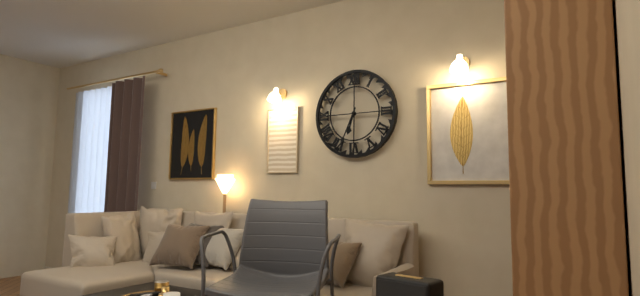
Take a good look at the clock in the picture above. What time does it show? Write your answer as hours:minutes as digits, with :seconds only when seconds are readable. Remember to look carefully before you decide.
6:34
